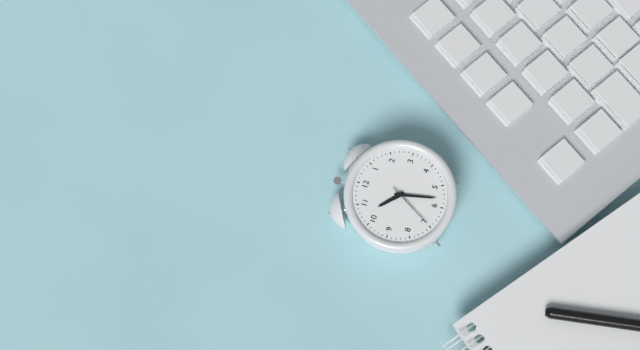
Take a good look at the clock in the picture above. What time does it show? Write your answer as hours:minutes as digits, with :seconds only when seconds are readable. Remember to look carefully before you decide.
10:28
